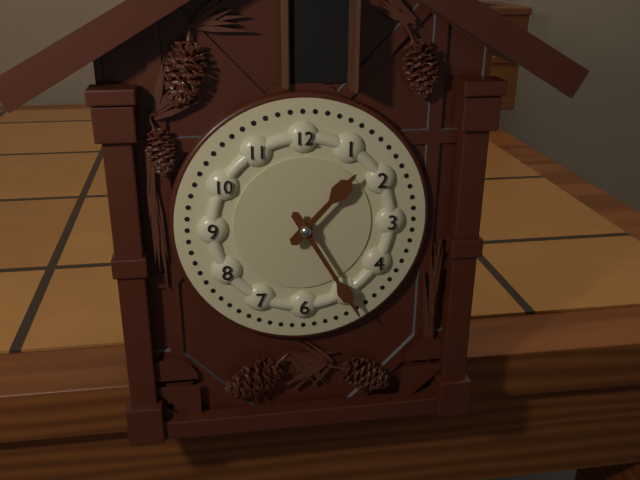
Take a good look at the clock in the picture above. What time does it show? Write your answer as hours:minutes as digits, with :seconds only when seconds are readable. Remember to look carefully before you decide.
1:25
